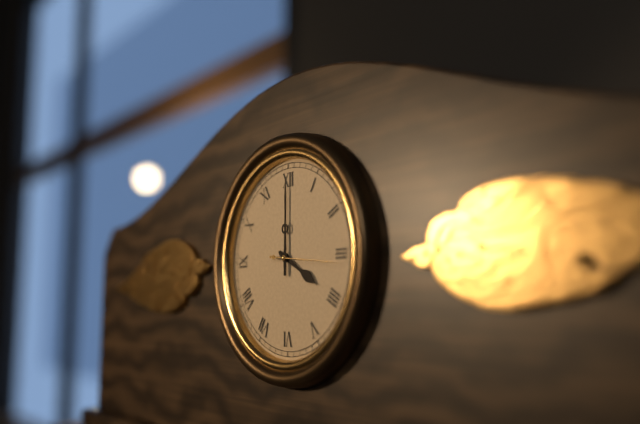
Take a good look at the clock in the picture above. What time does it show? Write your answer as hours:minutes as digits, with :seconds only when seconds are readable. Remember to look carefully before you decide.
4:00:16
